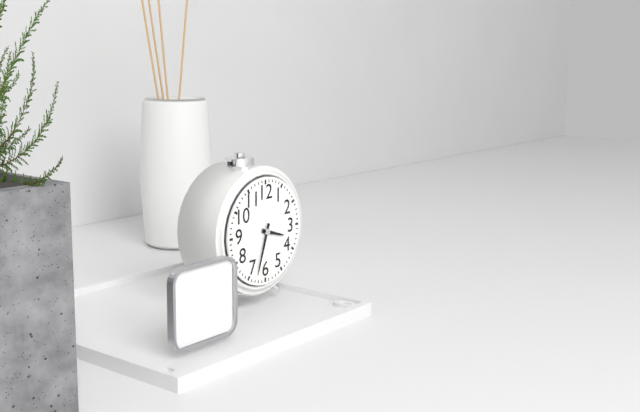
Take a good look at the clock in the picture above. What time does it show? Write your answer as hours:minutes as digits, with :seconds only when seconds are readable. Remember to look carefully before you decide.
3:33
